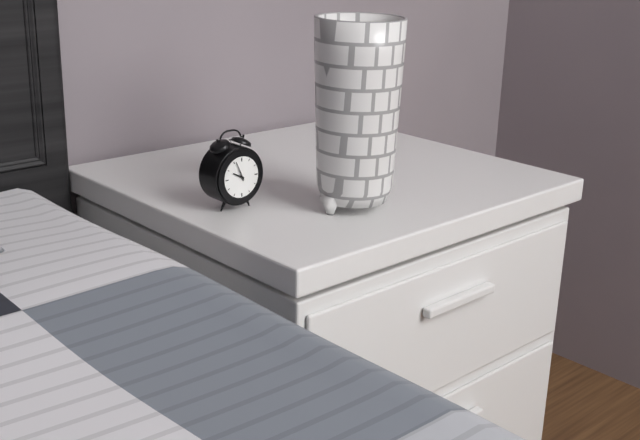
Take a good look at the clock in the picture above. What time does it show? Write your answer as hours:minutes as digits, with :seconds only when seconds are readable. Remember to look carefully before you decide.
9:56
